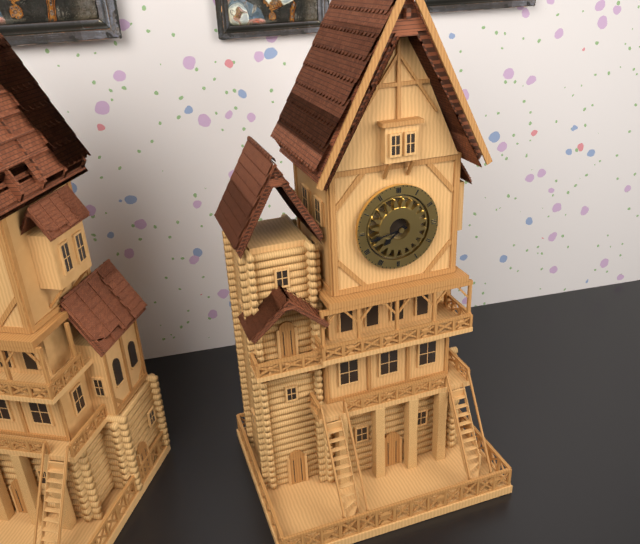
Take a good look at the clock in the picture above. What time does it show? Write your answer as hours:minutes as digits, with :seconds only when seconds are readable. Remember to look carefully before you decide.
7:43
